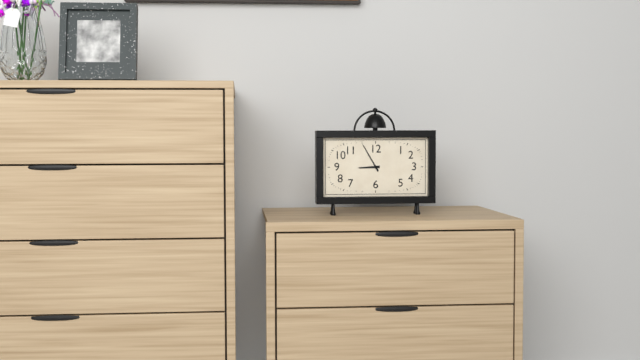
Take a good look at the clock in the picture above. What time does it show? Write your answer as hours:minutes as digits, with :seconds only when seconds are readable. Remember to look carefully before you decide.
8:55
